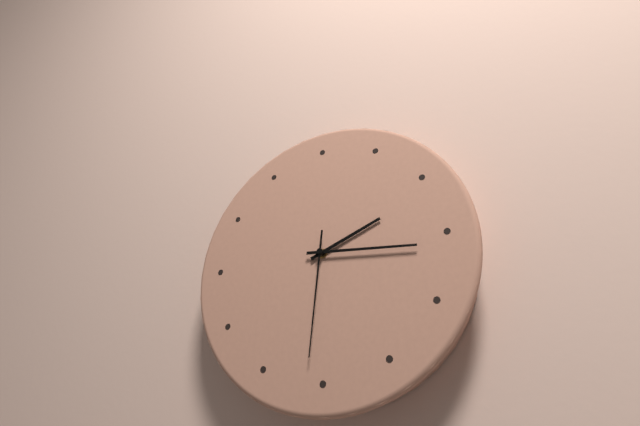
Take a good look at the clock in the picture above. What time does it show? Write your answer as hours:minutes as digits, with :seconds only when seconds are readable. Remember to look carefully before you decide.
2:16:31
